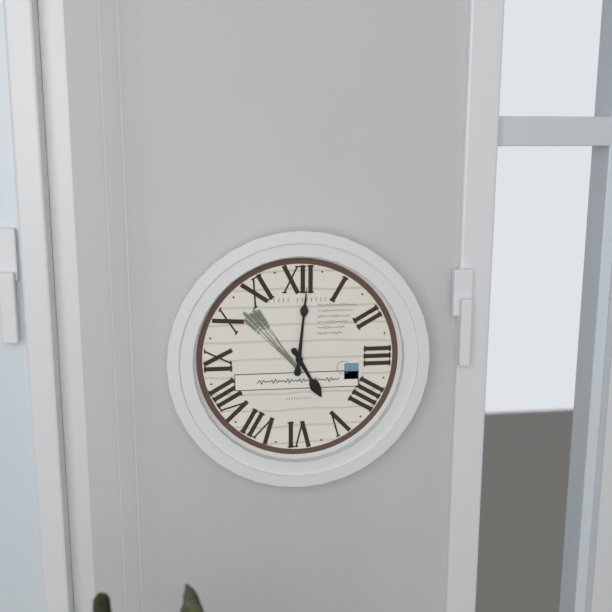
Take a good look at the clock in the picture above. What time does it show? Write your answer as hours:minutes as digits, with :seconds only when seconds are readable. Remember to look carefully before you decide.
5:01
